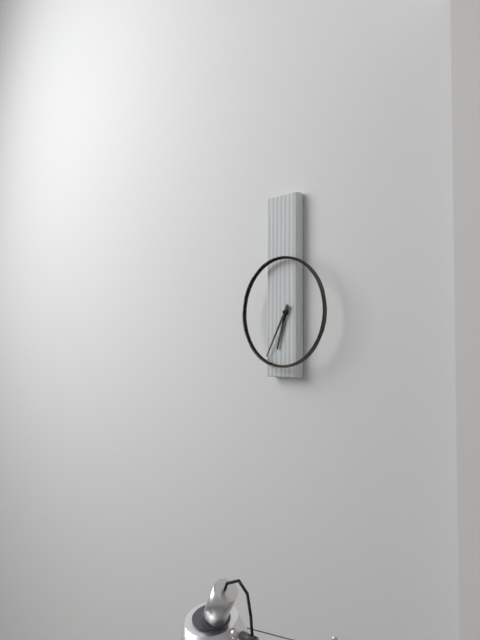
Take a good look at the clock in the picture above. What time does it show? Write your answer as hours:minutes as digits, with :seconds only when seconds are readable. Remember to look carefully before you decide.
6:35
